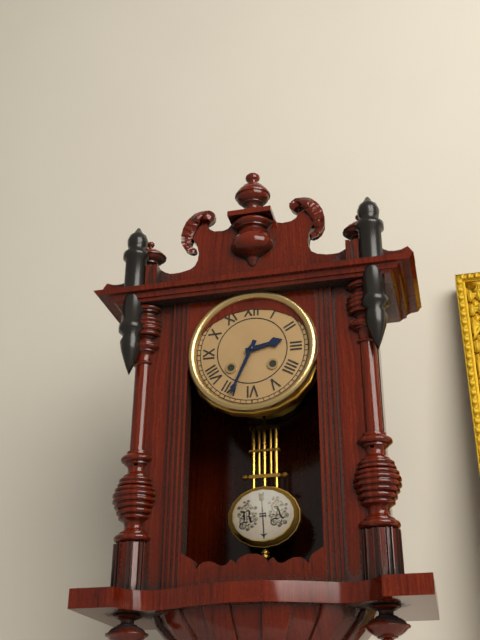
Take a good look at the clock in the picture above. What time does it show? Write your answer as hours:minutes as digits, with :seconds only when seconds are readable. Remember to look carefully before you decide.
2:34
